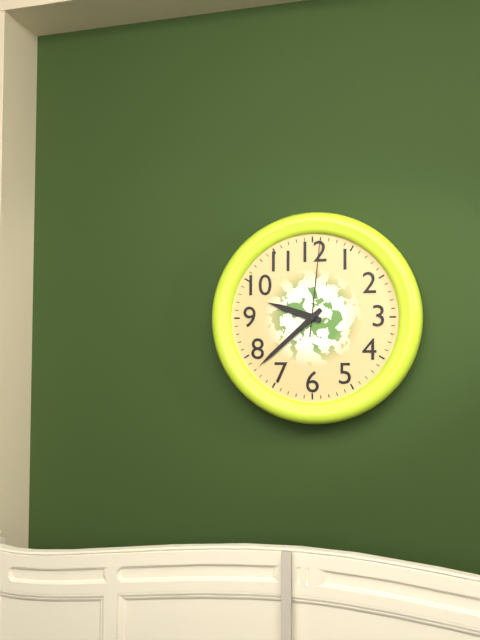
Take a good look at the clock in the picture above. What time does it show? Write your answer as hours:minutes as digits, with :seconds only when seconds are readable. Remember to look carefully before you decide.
9:38:01
